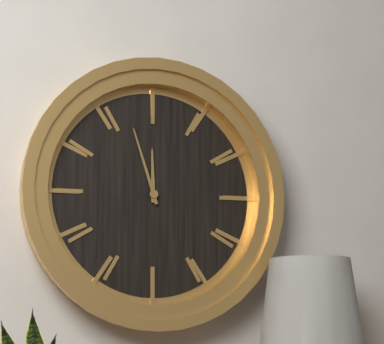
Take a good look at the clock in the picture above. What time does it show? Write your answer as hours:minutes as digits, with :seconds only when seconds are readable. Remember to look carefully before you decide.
11:57
